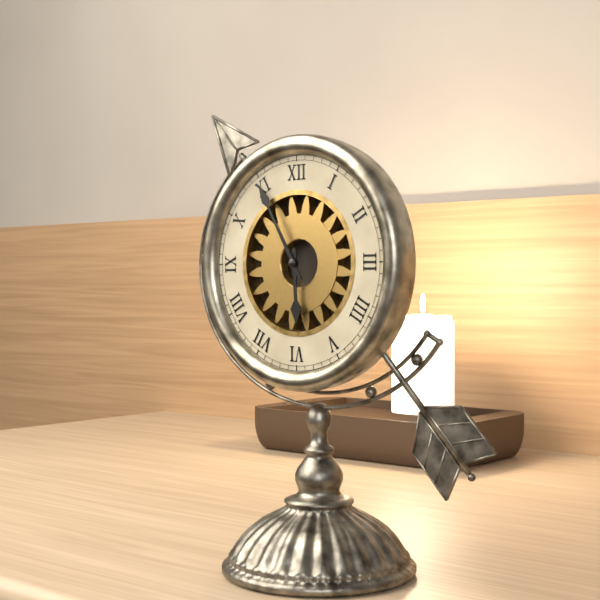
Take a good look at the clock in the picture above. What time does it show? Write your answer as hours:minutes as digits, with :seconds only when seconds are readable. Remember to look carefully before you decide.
5:55
